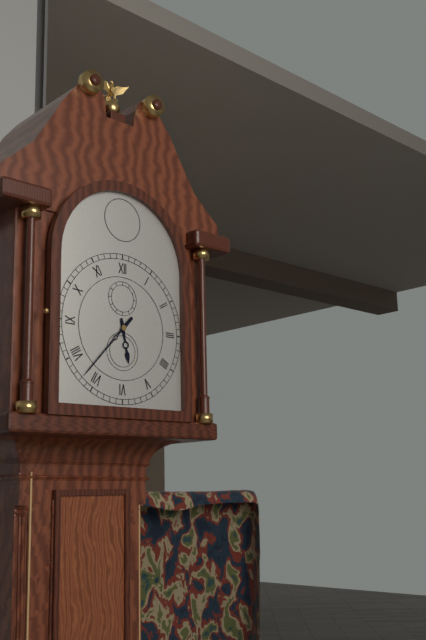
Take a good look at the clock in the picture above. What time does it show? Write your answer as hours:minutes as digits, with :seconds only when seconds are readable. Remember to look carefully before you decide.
5:37
